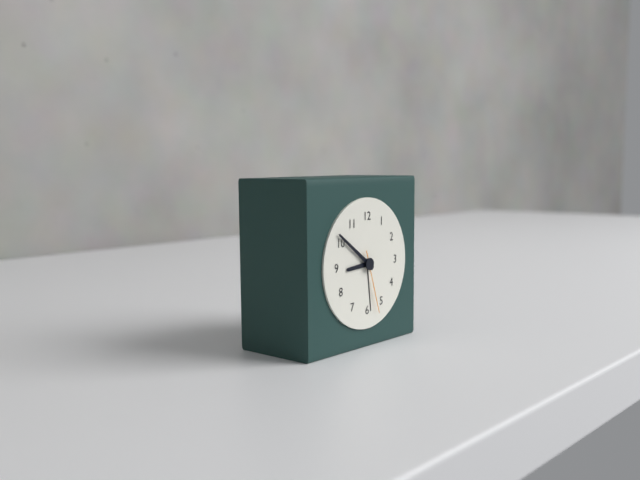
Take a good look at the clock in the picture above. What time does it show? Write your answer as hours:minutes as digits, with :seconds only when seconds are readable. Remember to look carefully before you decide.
8:51:27
